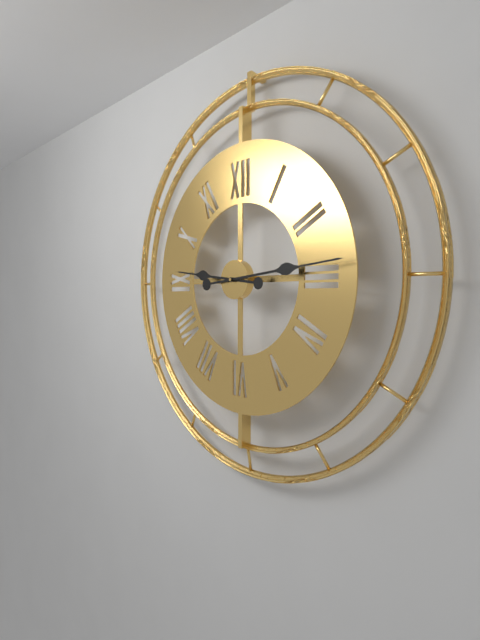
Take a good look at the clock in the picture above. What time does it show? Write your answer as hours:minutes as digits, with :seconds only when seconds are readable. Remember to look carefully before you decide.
9:14
